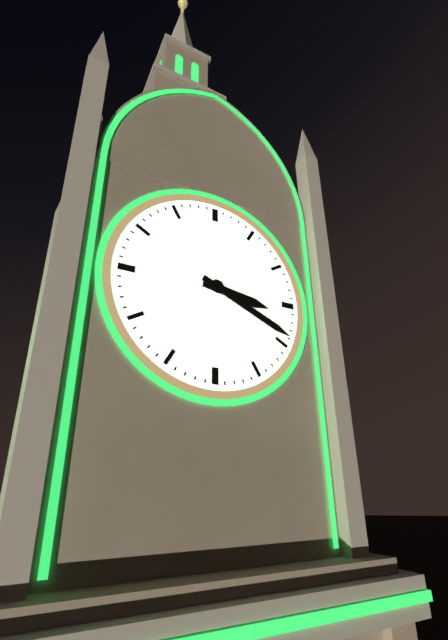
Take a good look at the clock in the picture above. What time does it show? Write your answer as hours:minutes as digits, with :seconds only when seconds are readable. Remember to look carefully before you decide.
3:19
